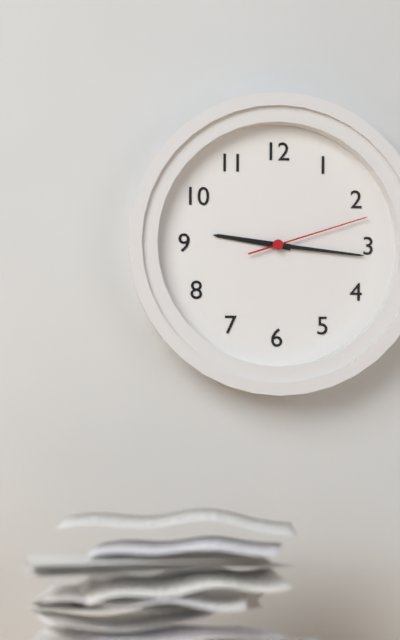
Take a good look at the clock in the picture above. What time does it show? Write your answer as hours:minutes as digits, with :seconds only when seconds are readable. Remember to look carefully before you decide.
9:16:12
